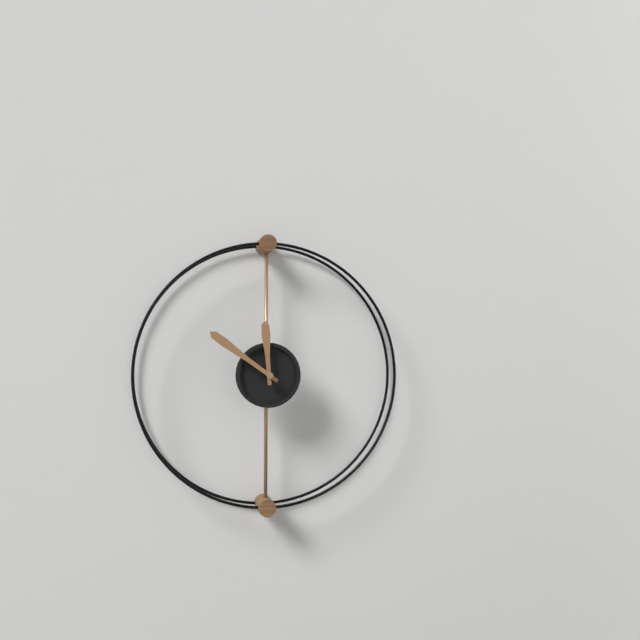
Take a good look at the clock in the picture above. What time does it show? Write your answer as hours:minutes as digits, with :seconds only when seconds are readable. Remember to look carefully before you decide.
11:51
